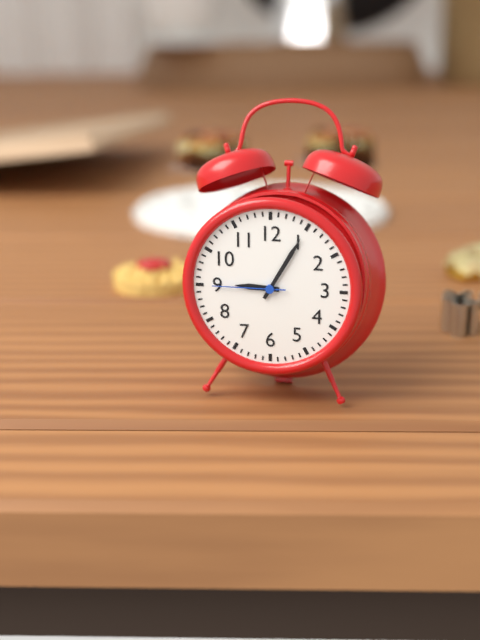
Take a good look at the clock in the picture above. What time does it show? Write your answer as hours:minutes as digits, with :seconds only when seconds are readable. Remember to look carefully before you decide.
9:05:45
